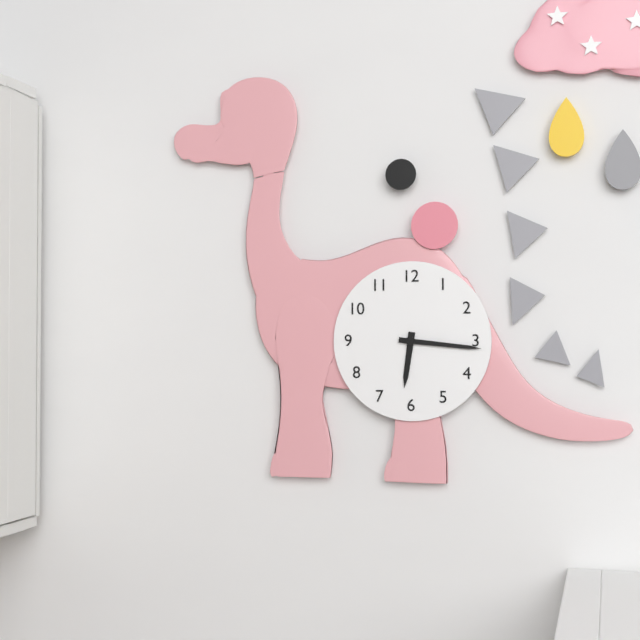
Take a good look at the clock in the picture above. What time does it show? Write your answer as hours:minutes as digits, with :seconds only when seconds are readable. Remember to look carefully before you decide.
6:16
